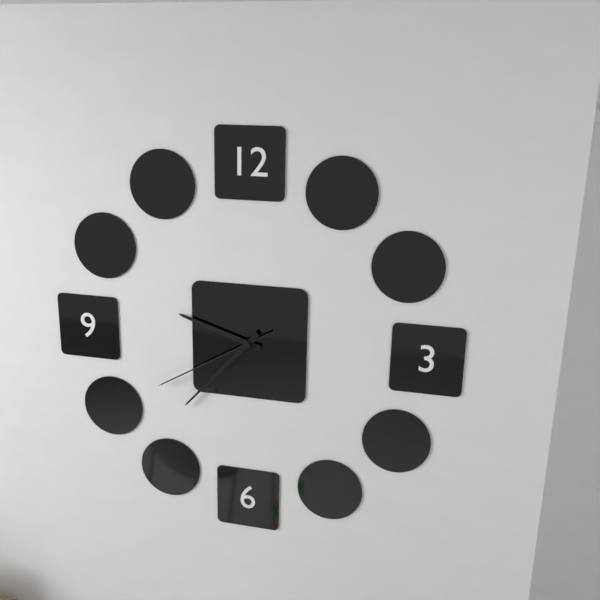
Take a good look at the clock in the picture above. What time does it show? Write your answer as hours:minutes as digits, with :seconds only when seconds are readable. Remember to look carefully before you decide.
9:37:40
